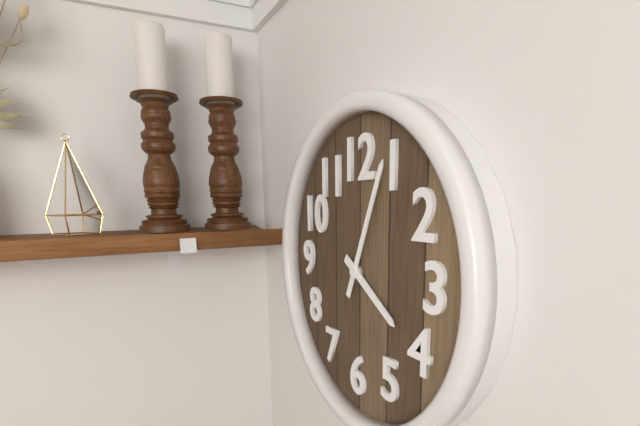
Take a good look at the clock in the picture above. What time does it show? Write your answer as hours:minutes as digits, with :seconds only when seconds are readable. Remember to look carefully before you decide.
4:04
